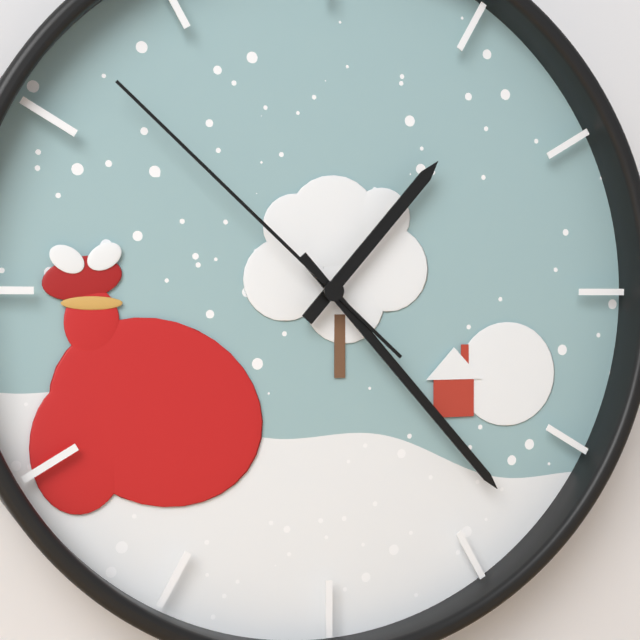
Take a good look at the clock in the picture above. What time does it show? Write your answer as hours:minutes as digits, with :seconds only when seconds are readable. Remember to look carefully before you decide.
1:23:52
